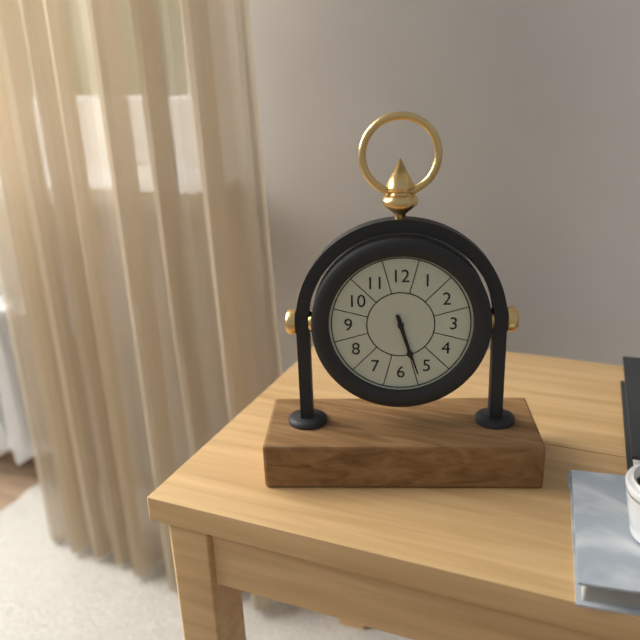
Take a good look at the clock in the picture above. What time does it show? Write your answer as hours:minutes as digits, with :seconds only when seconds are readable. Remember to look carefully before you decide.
5:27
